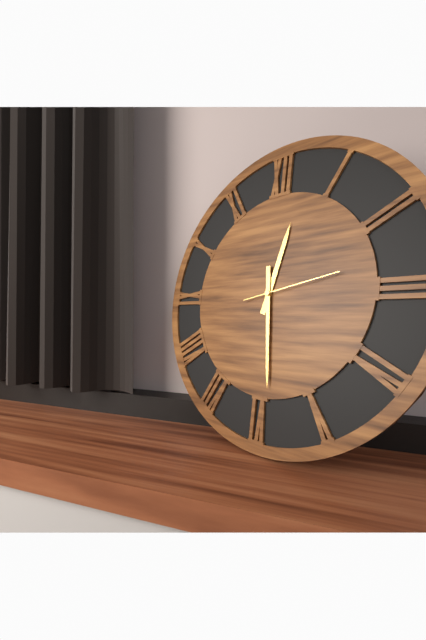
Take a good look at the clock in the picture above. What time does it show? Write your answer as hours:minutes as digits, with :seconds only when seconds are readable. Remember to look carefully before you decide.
12:29:13
